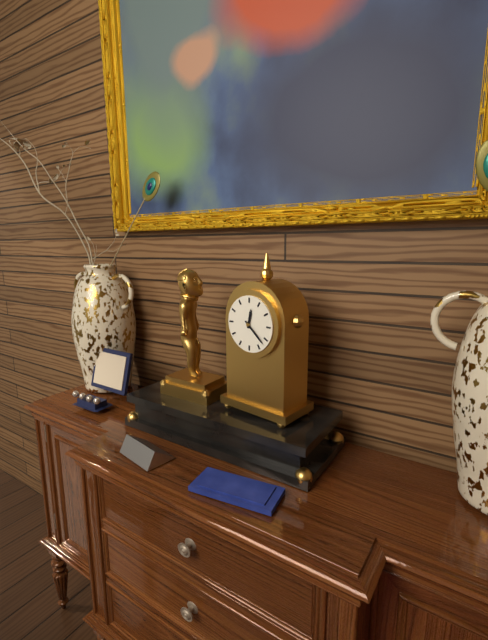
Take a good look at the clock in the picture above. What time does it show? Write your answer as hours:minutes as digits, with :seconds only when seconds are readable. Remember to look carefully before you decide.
12:22
